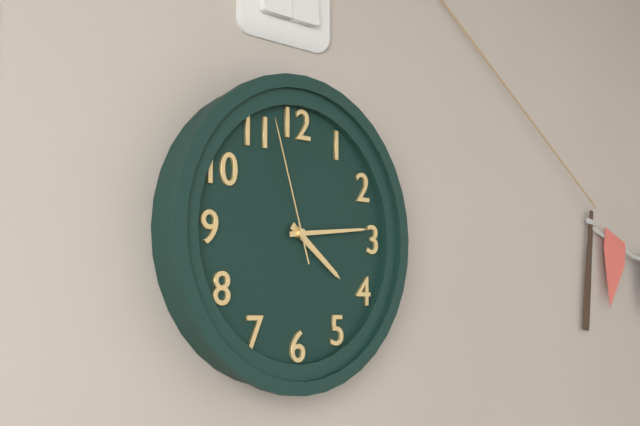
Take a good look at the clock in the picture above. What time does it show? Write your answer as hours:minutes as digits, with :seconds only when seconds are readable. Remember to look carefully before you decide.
4:14:57
